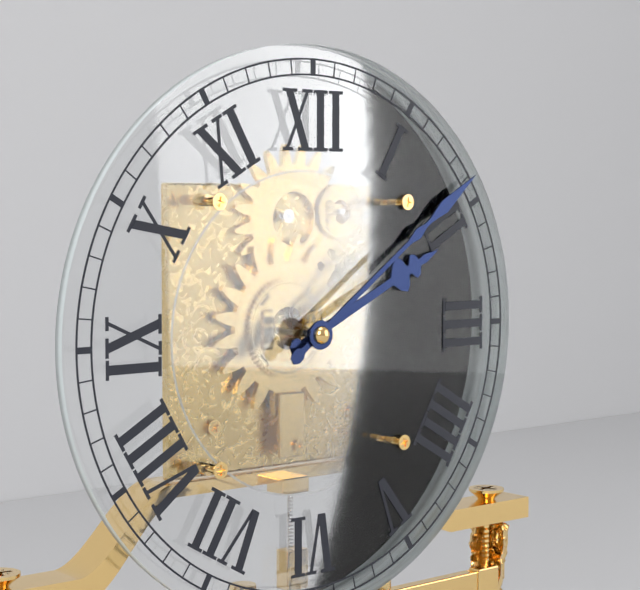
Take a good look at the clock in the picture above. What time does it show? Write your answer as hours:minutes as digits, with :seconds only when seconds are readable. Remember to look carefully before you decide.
2:09
